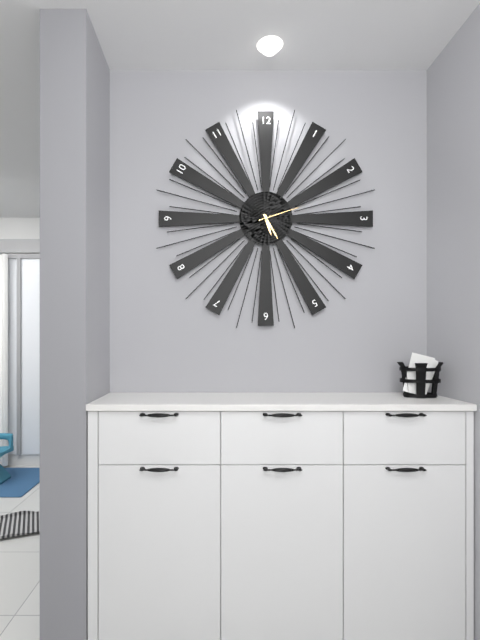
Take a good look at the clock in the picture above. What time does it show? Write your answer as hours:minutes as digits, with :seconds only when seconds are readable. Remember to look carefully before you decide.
5:25
